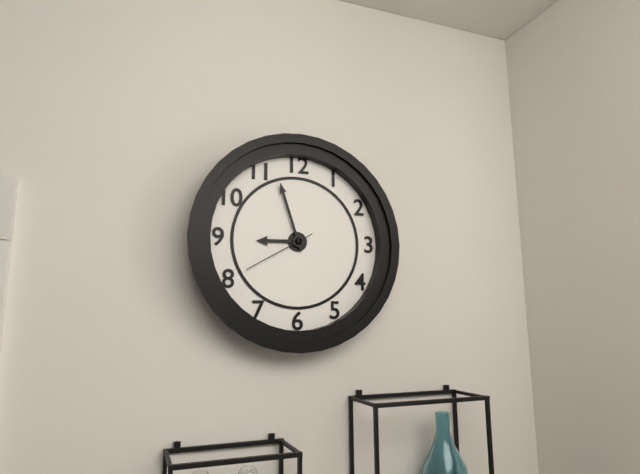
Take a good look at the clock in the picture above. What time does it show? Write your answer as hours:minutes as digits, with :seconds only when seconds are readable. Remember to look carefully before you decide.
8:57:40
